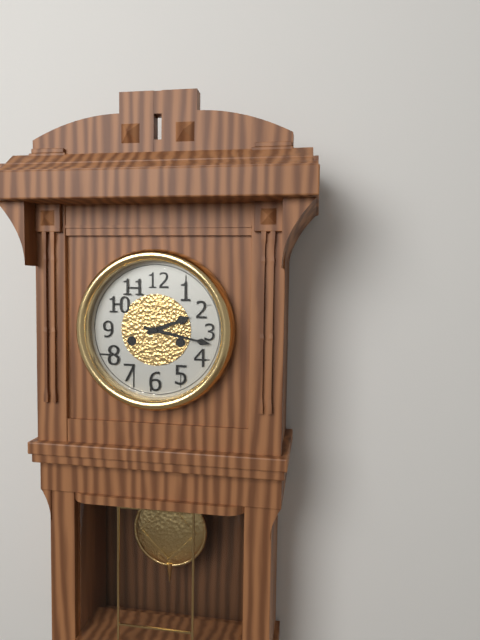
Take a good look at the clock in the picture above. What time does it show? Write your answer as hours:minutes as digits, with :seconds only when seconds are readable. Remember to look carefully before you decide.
2:17
